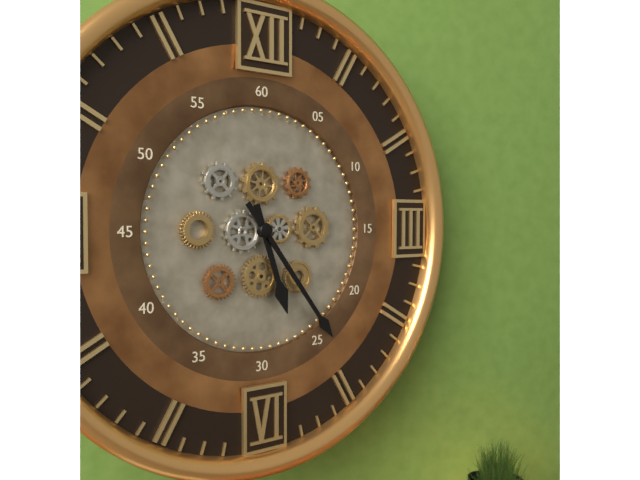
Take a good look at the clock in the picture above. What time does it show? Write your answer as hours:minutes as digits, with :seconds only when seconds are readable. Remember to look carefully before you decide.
5:24
